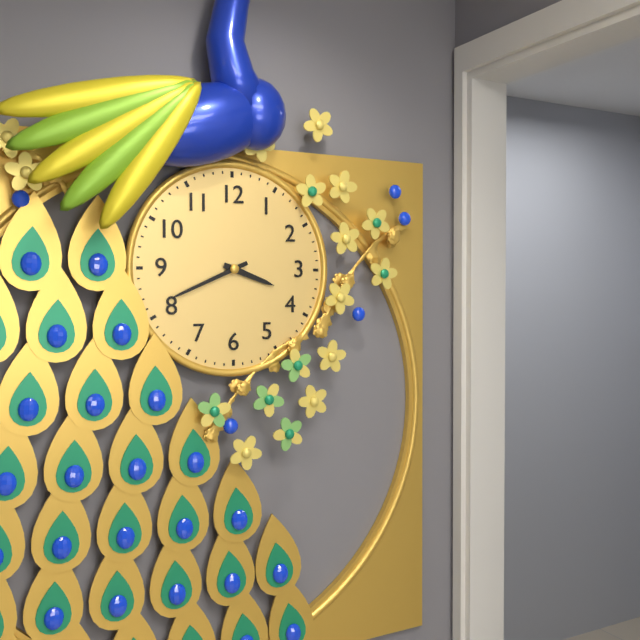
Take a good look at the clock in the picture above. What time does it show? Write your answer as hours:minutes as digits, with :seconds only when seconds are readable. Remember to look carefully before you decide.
3:41
